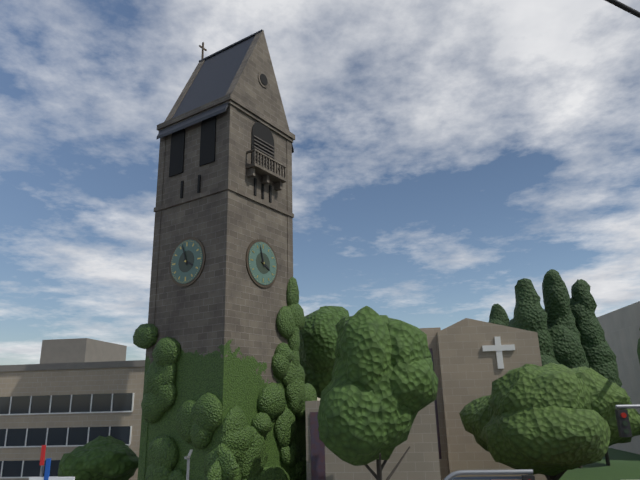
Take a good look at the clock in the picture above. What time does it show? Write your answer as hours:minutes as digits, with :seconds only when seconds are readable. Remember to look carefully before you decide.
3:57
